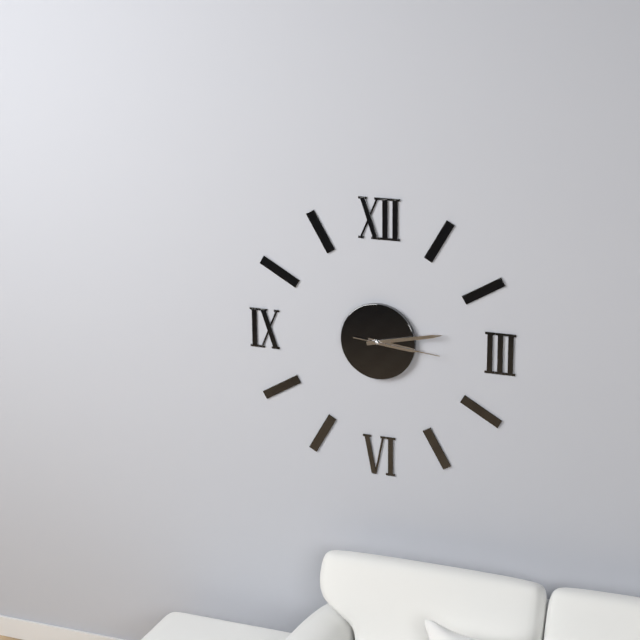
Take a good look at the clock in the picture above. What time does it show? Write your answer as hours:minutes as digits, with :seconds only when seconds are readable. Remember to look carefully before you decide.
3:13:16
